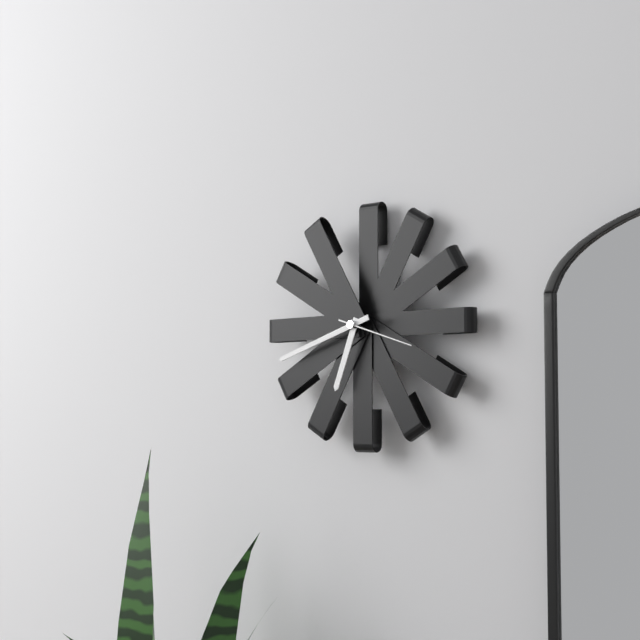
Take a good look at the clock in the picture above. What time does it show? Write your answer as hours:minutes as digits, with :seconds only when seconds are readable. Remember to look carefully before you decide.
6:42:18
